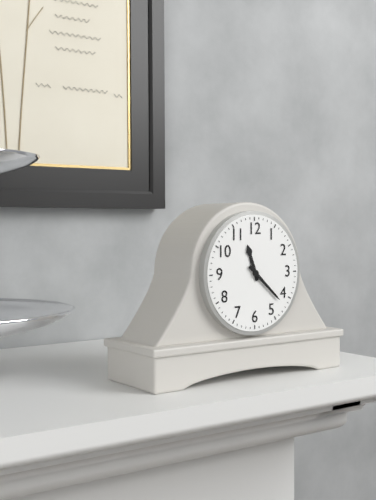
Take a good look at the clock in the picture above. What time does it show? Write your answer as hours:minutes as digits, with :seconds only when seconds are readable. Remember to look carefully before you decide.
11:22
